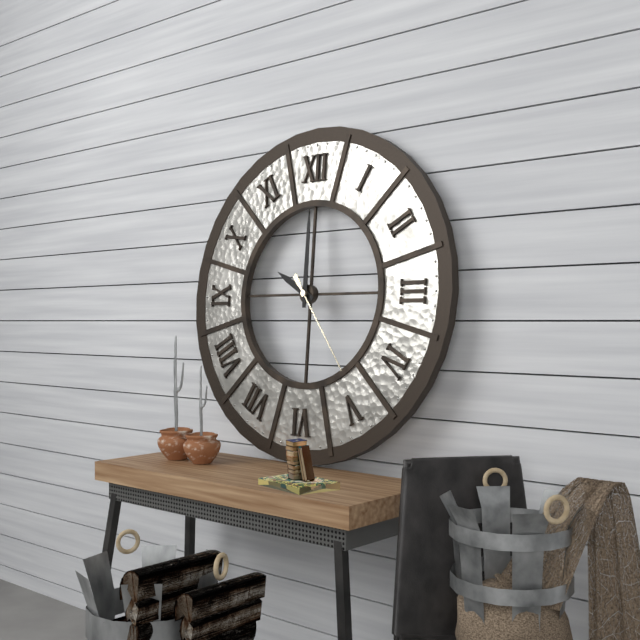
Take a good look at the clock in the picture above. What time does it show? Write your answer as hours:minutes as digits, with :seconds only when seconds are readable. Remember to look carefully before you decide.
10:00:24
